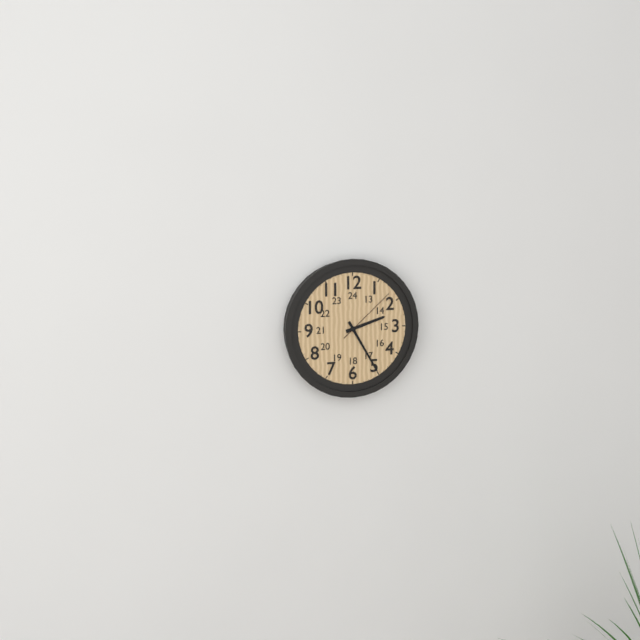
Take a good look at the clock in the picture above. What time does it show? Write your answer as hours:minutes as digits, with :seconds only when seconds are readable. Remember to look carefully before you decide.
2:25:08
